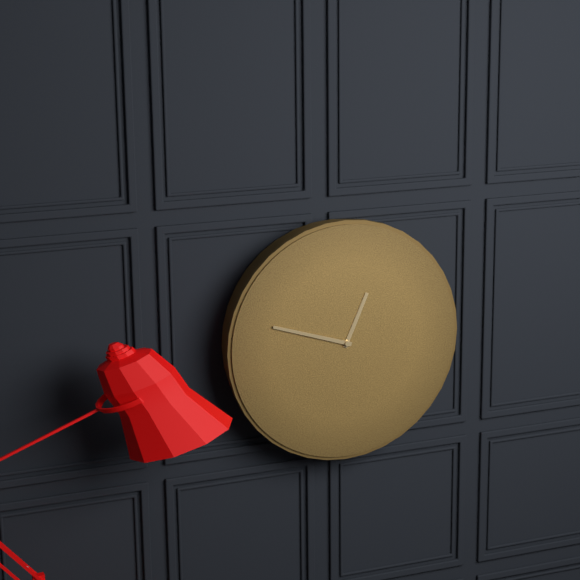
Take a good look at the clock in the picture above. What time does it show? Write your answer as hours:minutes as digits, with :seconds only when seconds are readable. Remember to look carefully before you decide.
12:48
